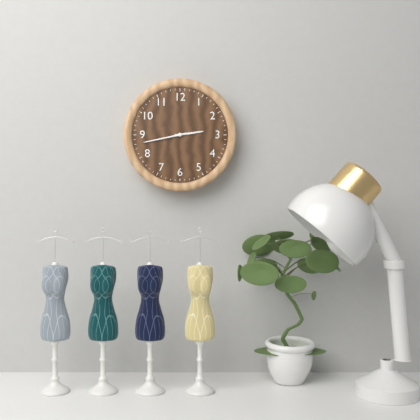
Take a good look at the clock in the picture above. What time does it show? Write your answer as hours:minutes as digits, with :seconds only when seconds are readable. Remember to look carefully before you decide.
2:43
